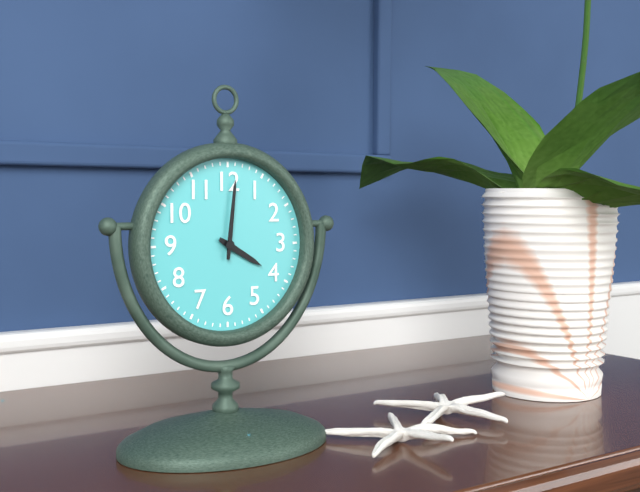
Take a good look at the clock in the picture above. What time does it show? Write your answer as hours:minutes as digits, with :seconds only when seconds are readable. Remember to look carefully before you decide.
4:01
